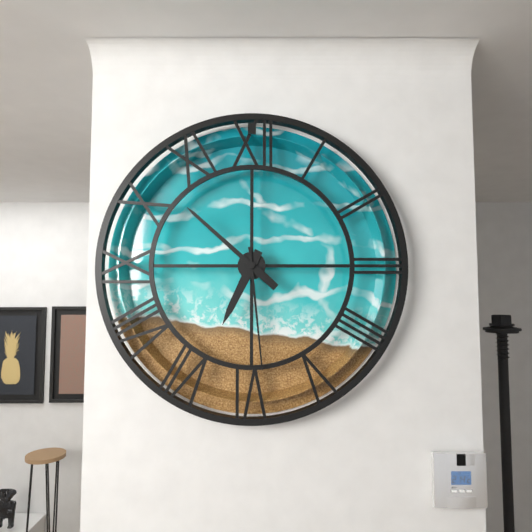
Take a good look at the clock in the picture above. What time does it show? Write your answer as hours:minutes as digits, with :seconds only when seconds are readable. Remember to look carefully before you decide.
6:52:29
